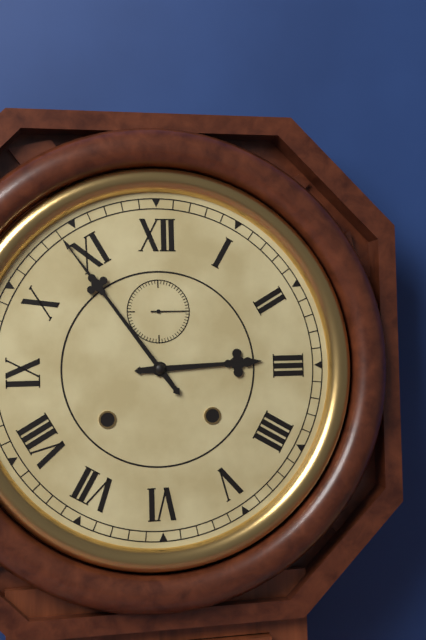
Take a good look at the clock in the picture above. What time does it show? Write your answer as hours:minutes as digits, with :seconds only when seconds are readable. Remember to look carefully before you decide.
2:54
